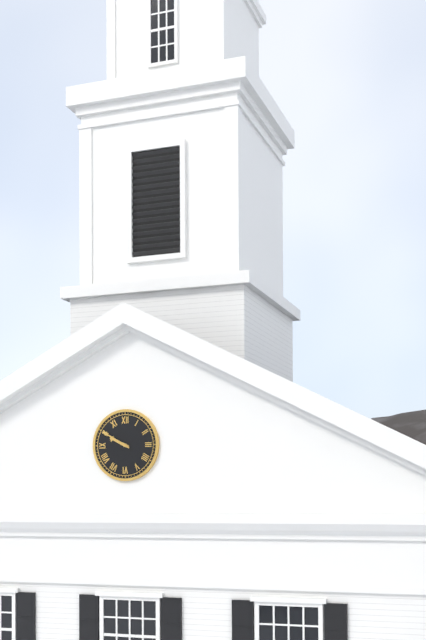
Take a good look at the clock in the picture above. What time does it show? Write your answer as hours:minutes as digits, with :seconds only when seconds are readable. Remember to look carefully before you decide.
9:50
